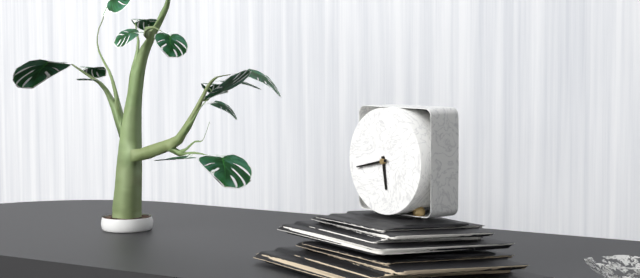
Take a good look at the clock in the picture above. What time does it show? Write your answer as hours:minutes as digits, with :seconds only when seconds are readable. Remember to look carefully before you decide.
5:43
